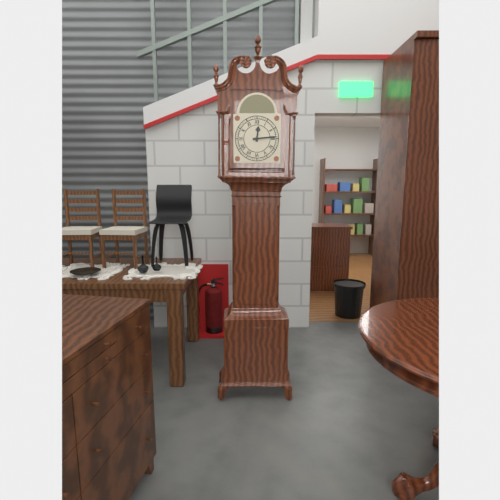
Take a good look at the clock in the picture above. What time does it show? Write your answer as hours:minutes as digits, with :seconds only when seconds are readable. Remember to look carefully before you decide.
12:14
